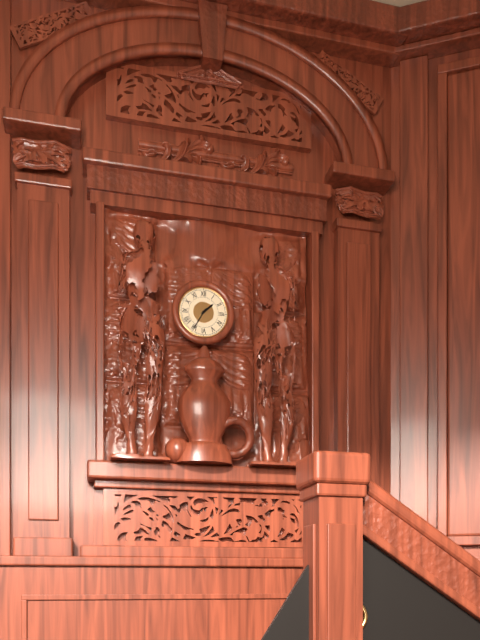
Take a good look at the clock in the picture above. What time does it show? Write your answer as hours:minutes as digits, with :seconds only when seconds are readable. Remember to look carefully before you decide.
1:35
